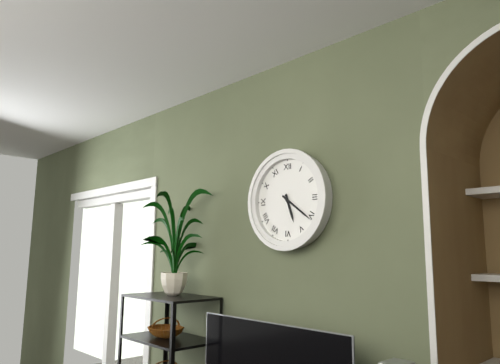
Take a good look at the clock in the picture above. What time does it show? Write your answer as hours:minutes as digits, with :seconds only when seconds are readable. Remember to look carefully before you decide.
5:21
